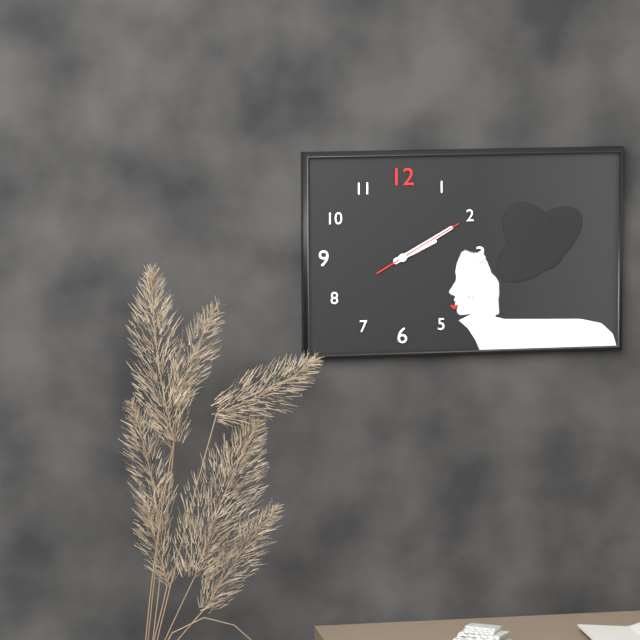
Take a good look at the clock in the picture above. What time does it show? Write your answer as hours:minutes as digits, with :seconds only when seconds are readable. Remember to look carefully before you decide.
2:10:10
